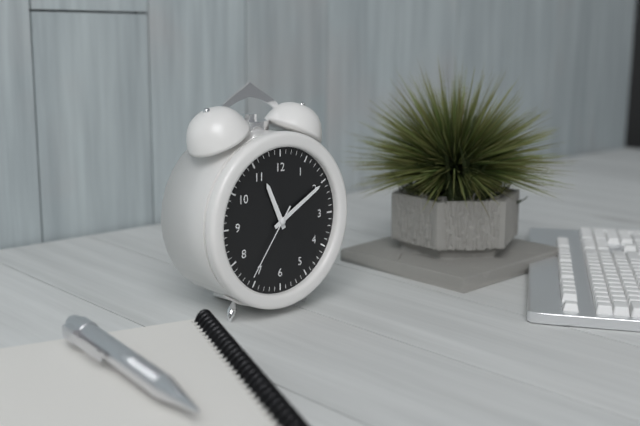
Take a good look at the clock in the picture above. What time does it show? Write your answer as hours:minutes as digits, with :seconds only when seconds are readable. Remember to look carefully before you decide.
11:10:36
